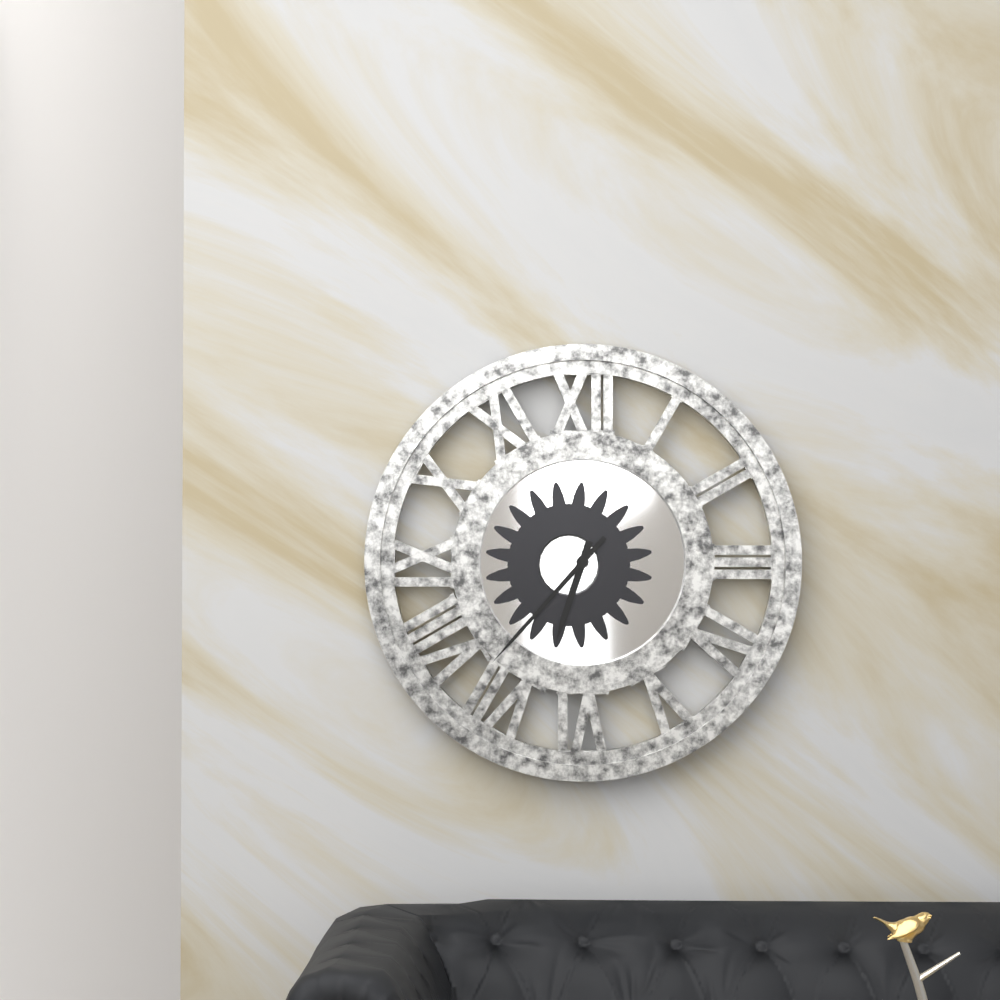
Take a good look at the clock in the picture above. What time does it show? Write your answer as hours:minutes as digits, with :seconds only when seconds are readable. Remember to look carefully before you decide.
6:37
